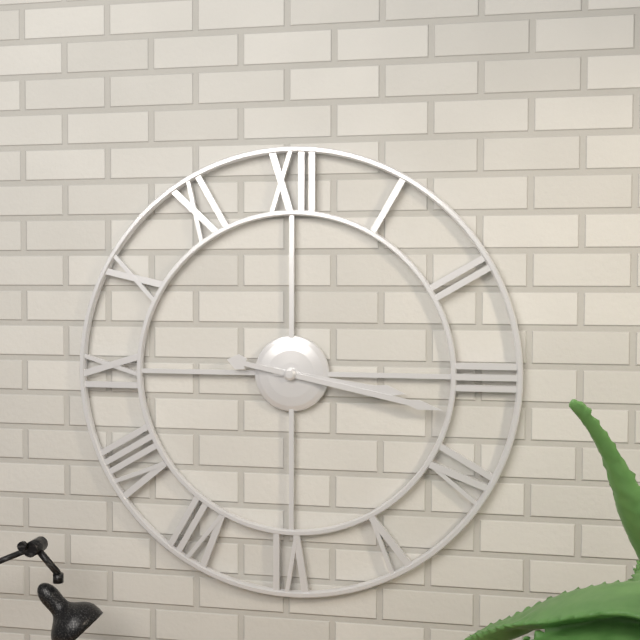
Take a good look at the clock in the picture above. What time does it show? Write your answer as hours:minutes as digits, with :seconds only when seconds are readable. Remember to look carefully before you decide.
3:17
